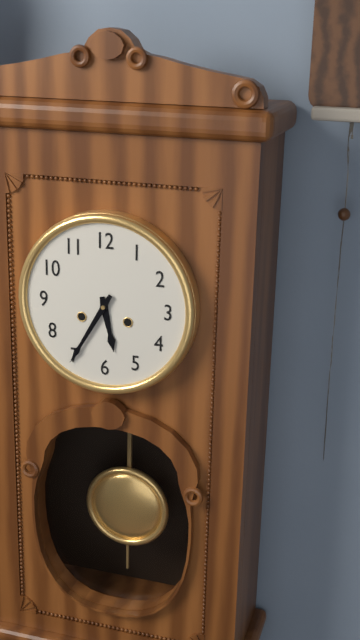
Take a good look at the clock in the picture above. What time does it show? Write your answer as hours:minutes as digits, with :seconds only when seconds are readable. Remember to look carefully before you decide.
5:35
